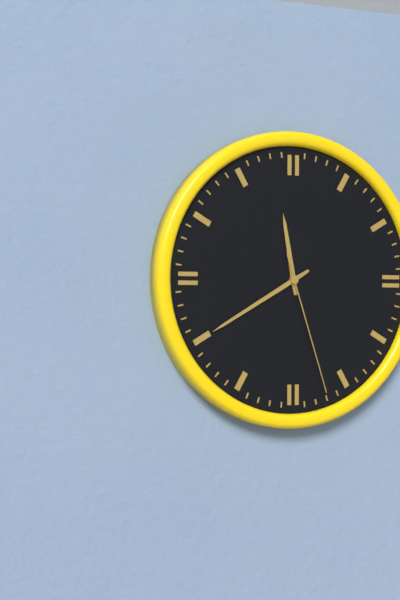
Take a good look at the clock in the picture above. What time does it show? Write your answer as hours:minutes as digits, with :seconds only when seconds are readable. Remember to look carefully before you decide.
11:40:27
